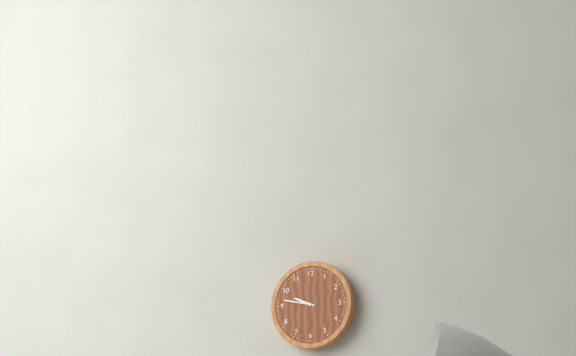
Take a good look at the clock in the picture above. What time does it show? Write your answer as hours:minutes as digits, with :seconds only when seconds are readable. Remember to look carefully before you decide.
9:47
